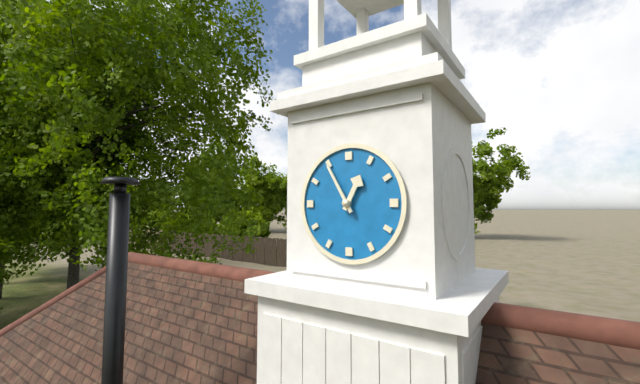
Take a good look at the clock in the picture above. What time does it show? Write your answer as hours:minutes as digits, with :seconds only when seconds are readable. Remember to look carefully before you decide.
12:55
